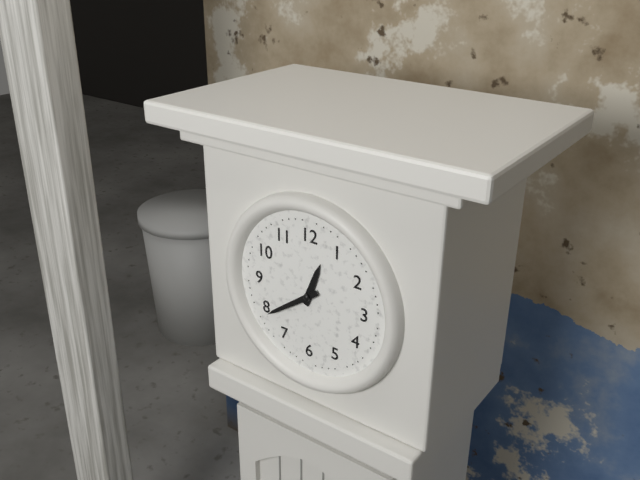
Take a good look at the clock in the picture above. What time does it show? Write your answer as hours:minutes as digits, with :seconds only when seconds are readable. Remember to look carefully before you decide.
12:39
